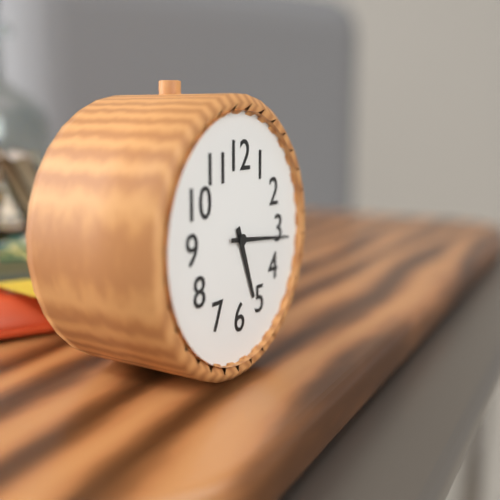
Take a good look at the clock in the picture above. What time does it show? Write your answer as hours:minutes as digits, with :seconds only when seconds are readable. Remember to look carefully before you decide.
5:16
